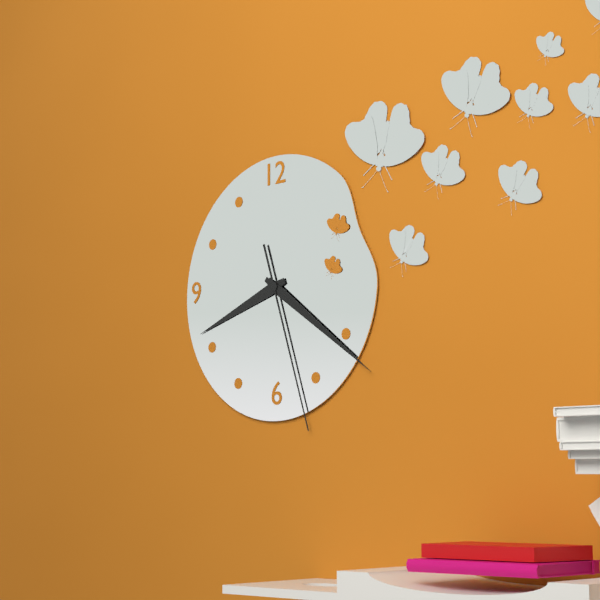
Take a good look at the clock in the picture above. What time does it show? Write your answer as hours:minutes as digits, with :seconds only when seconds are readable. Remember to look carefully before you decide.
8:21:27
